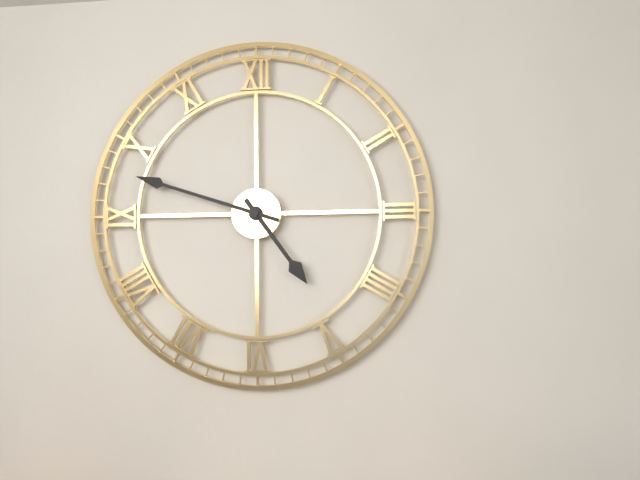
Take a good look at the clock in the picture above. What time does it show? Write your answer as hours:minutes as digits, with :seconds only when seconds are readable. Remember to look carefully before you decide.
4:48
